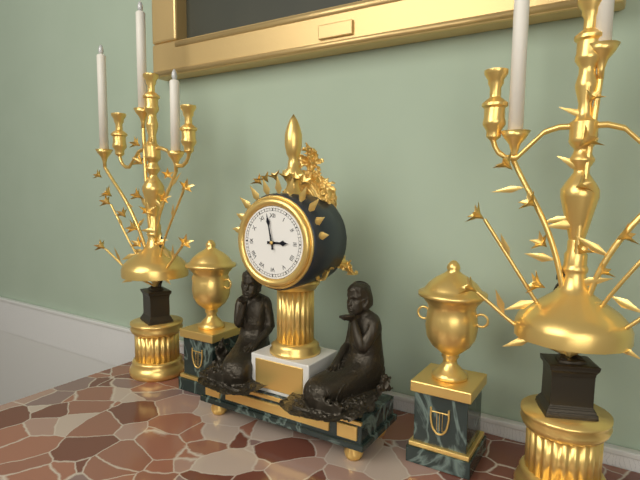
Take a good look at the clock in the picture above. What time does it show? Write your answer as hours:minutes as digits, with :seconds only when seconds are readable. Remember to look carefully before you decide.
2:58
